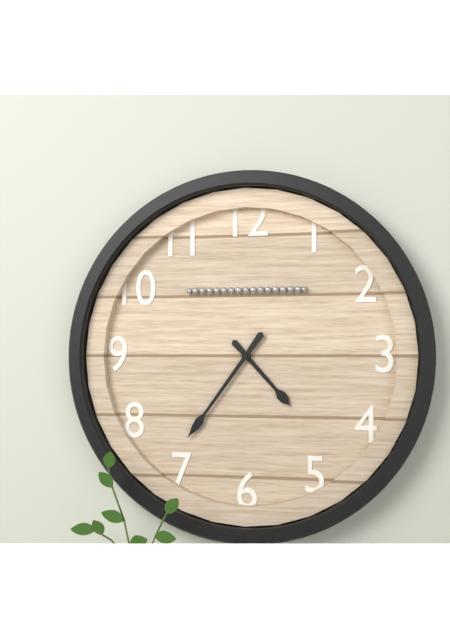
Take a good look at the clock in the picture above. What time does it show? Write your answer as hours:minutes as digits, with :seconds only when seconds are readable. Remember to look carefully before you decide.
4:36
